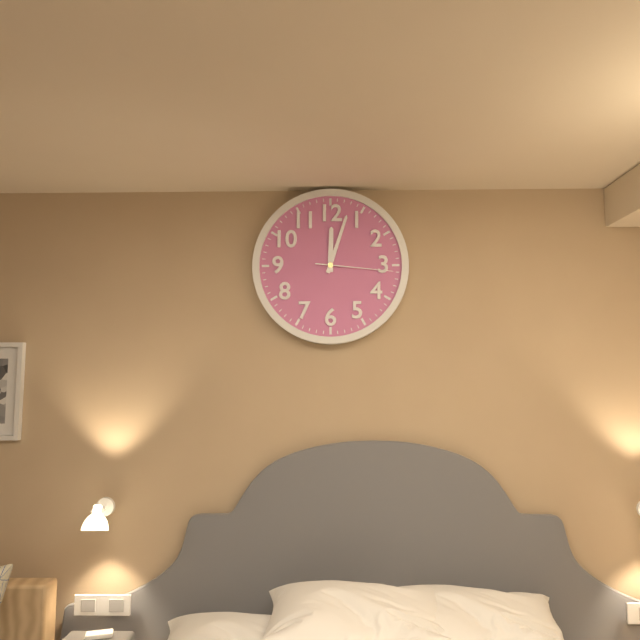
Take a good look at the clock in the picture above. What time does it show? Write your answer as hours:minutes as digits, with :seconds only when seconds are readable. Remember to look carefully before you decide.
12:03:16
